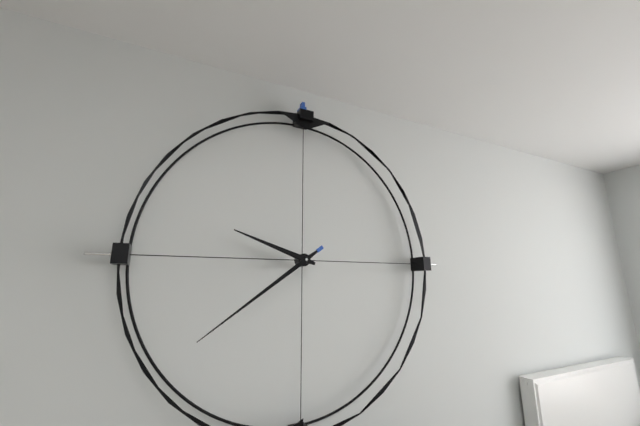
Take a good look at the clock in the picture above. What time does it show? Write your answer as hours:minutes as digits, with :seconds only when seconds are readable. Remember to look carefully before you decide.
9:39
